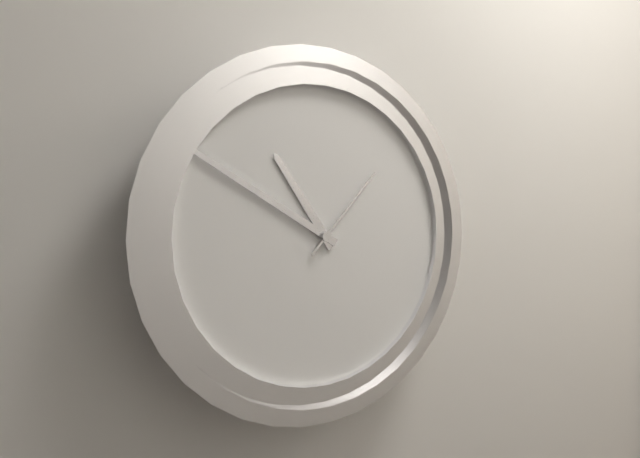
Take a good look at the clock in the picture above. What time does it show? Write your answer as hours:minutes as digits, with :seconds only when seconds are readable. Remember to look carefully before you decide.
10:50:07
